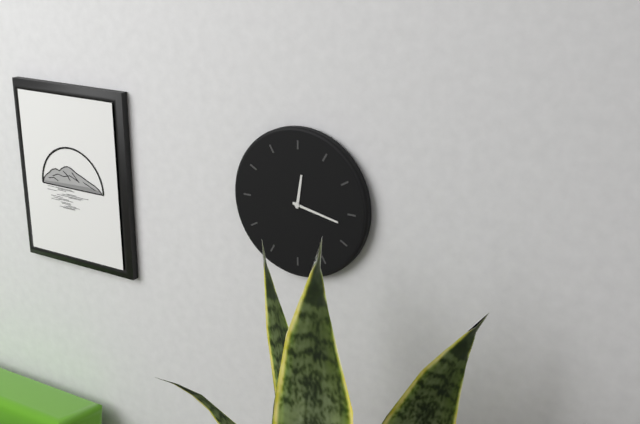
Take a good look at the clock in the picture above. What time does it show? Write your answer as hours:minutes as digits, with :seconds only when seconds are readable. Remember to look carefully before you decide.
12:17
